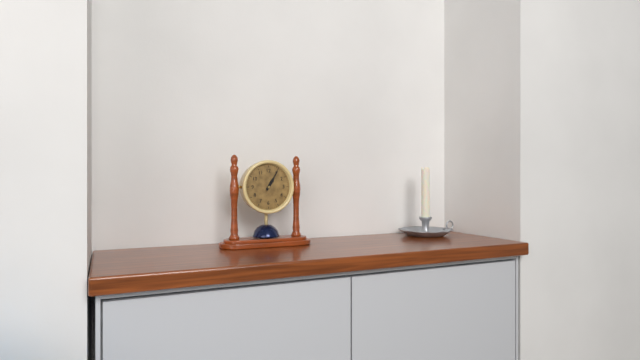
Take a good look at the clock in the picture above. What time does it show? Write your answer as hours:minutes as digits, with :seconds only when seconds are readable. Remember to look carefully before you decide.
1:05
